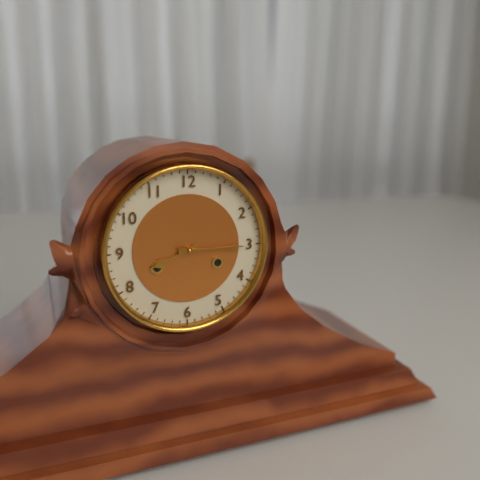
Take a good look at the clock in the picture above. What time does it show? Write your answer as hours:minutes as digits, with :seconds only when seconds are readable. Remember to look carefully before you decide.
8:15
